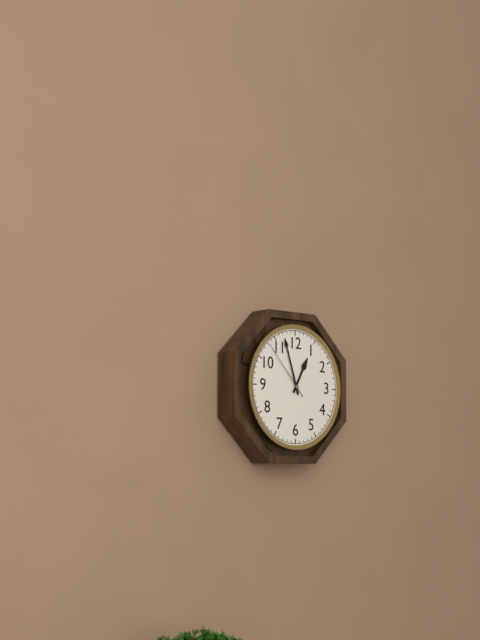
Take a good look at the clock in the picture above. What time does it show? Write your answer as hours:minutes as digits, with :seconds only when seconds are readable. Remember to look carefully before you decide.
12:57:53
